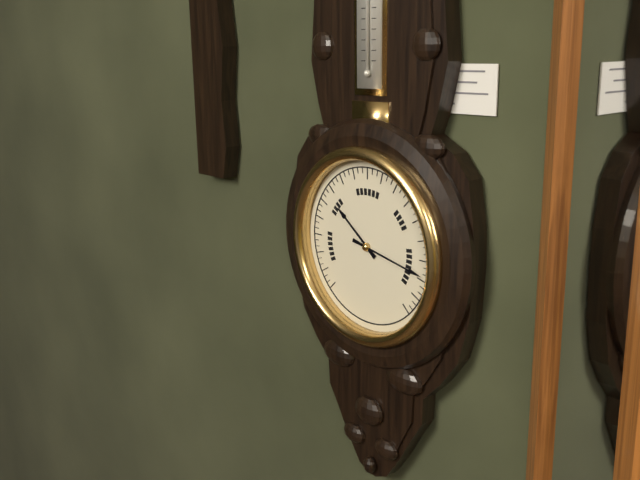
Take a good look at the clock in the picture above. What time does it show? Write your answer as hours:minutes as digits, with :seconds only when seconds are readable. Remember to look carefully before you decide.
10:17
